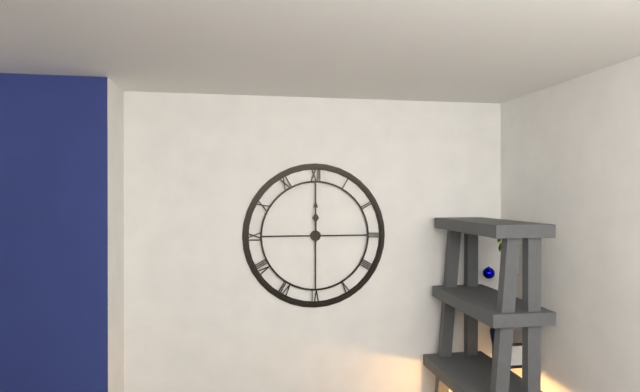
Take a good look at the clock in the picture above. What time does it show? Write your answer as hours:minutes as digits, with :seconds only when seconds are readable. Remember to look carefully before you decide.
12:00
